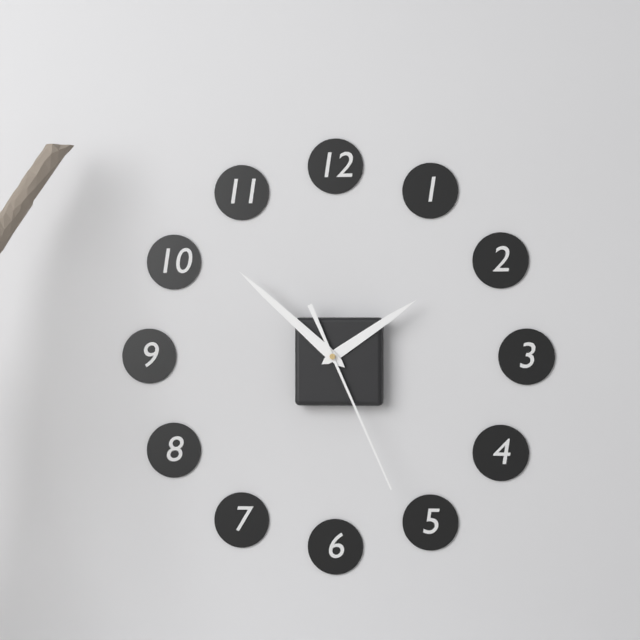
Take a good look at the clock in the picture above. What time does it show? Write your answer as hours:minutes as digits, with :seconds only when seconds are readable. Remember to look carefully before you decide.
1:52:26
